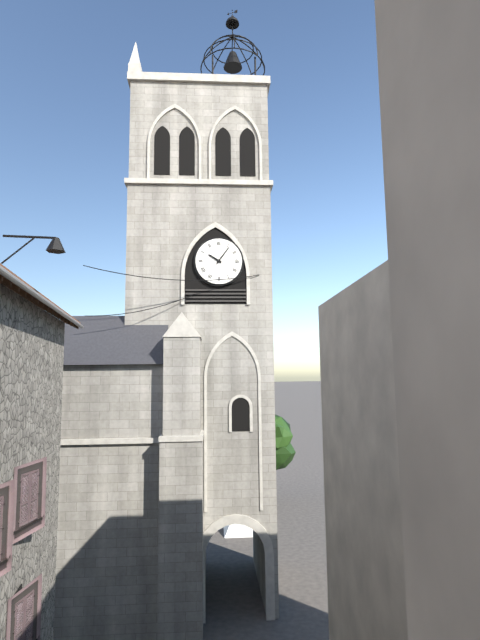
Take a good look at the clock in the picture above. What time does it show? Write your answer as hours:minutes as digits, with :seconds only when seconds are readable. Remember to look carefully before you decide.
10:06
